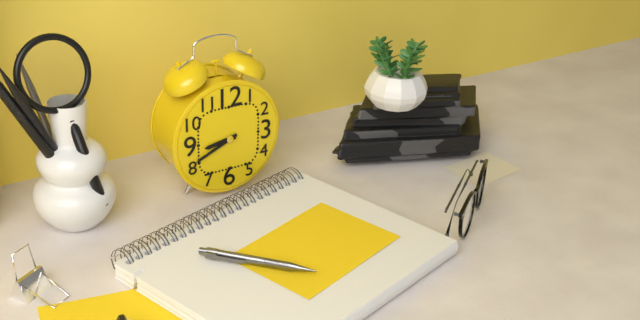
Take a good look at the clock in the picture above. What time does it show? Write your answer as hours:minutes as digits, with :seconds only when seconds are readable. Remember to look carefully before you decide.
8:41
